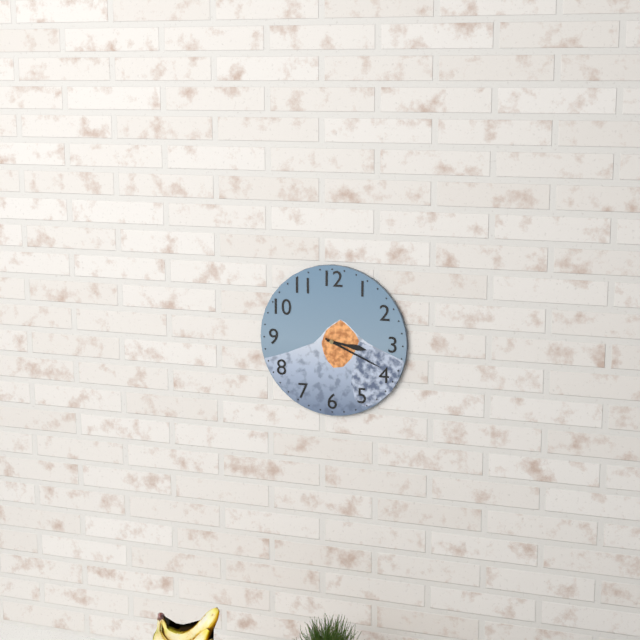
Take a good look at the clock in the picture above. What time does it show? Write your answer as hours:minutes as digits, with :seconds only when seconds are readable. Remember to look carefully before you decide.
3:19
